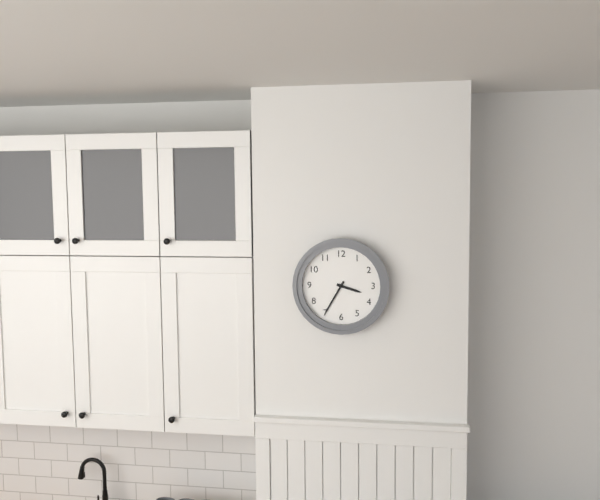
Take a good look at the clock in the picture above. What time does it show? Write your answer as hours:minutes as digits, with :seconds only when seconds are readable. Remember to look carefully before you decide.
3:35
